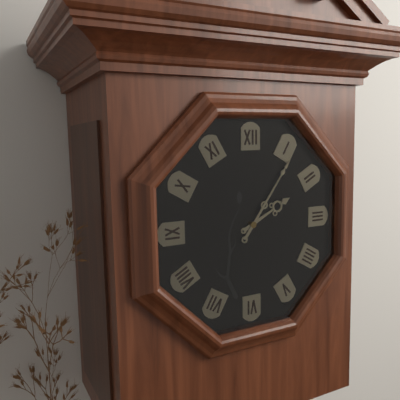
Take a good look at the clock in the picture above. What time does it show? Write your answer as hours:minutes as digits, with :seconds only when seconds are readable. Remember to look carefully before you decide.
2:06
